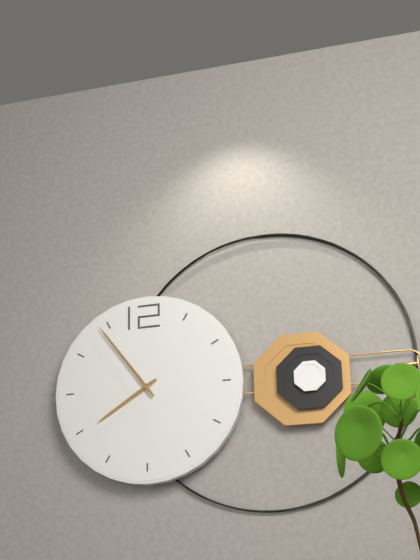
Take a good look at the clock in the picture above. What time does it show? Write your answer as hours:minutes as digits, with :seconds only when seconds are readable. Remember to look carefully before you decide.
7:54
